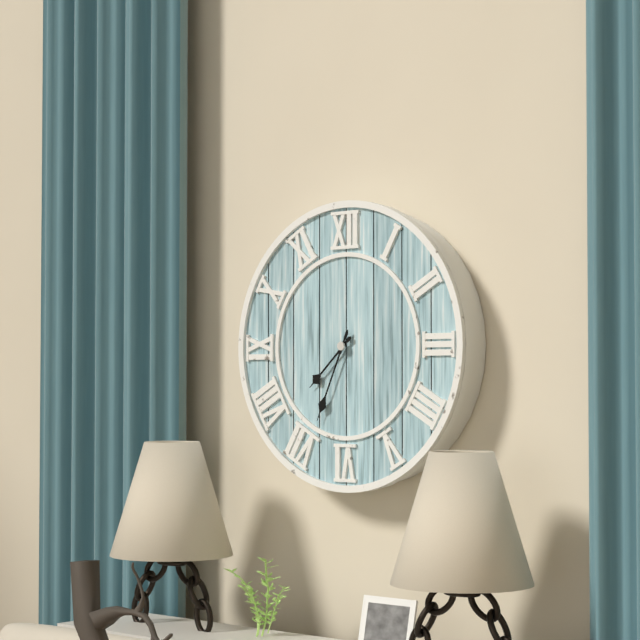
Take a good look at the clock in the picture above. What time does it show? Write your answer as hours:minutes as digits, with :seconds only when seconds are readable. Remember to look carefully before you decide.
7:34
